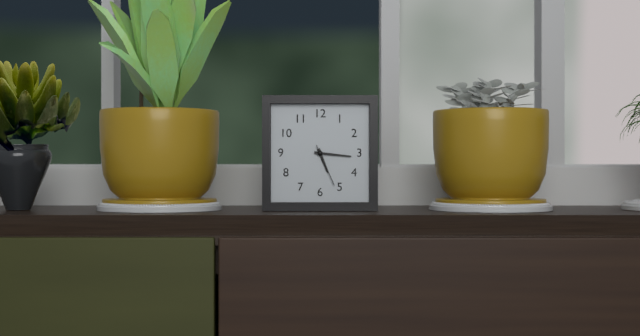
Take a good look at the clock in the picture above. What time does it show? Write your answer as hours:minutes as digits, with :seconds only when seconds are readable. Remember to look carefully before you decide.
5:16
